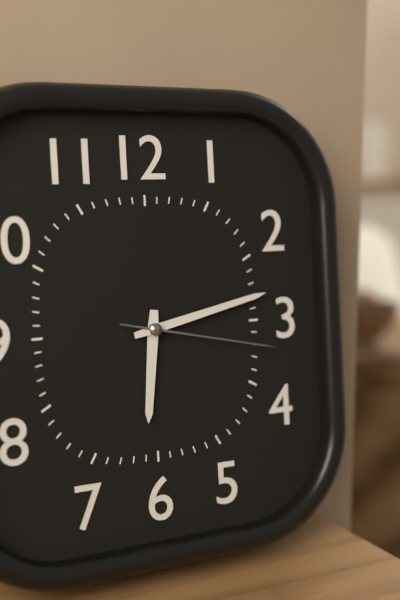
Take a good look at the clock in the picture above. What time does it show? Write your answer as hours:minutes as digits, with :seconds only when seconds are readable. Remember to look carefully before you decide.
6:13:17
